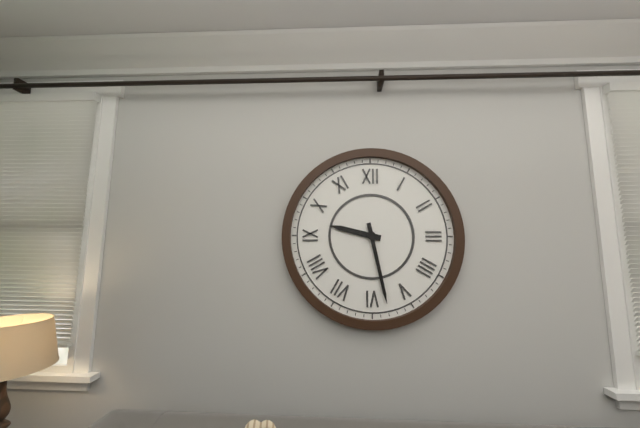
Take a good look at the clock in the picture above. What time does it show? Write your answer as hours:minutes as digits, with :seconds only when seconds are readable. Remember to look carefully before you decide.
9:28
